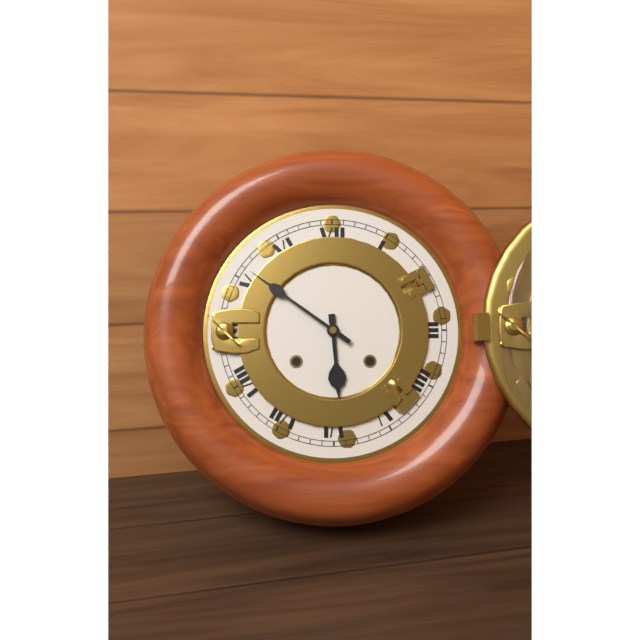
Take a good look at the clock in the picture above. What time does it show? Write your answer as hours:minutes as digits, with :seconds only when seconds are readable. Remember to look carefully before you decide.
5:51
